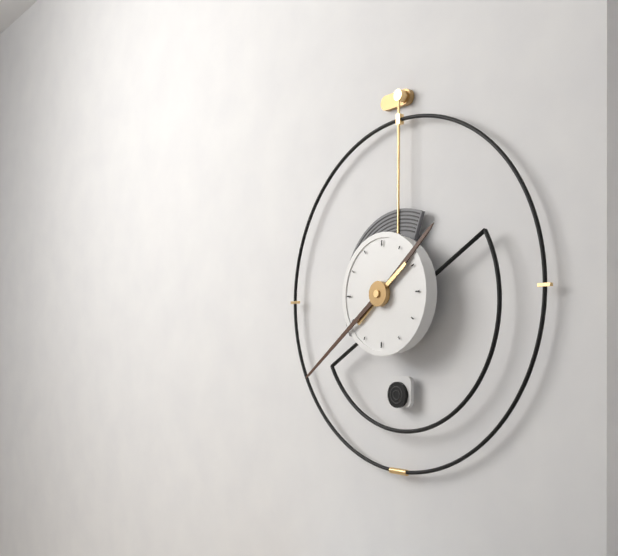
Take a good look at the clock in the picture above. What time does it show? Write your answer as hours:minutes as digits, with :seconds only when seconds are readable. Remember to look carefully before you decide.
1:39
